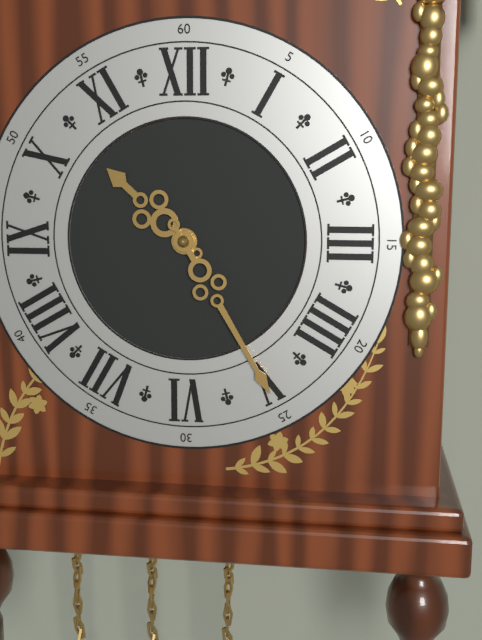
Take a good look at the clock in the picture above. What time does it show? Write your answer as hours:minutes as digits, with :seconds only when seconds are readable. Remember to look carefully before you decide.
10:25
